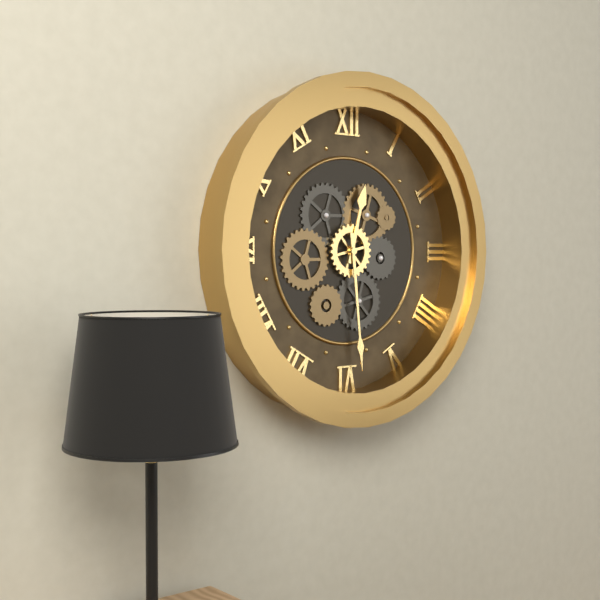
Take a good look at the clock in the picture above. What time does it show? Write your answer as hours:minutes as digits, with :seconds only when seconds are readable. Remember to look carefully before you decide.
12:29
